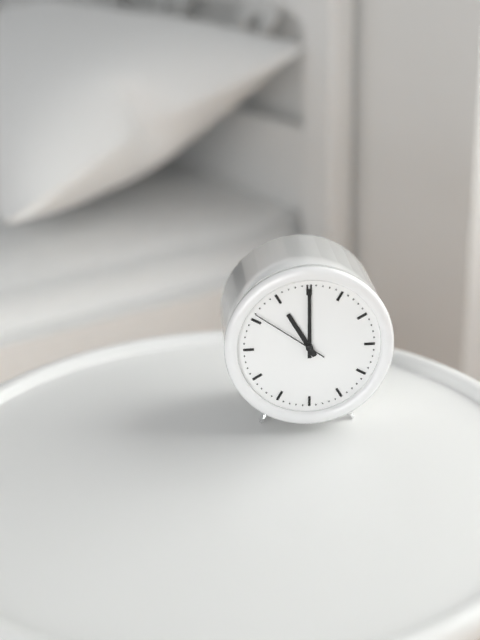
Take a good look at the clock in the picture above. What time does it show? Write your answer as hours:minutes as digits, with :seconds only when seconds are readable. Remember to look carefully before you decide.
11:00:51
